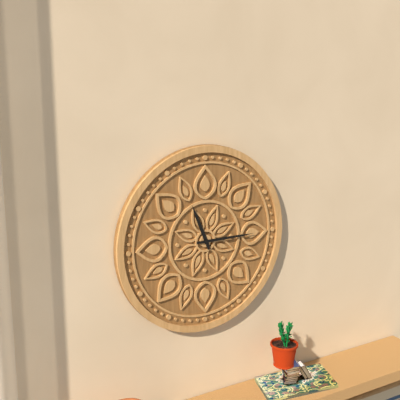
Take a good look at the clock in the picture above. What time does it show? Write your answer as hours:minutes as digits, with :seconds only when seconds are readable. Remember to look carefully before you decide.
11:15
